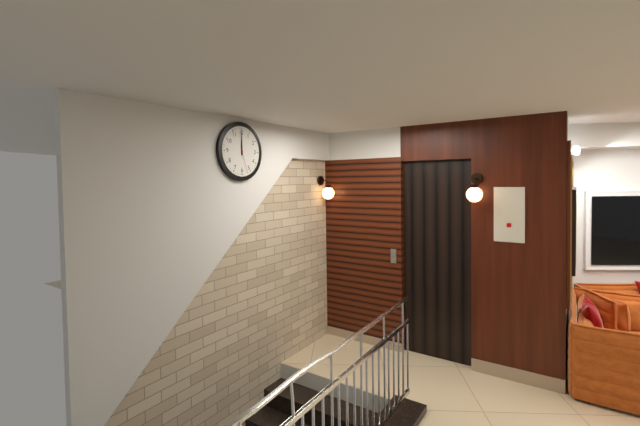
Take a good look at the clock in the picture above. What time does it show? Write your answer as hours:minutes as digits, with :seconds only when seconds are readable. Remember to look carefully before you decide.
12:00
